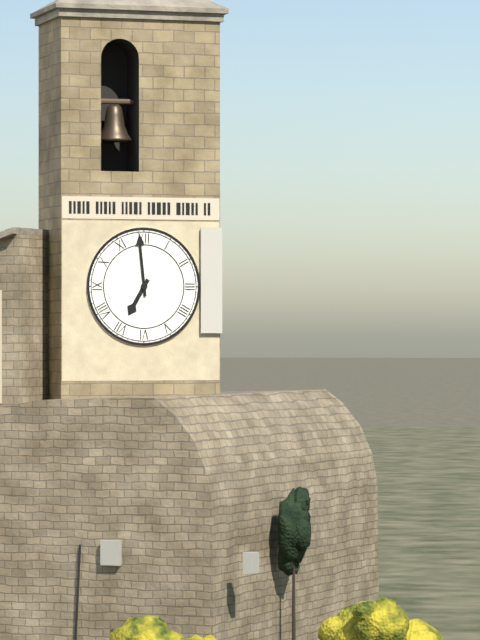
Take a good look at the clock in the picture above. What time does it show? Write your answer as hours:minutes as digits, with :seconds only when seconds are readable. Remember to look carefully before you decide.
6:59
